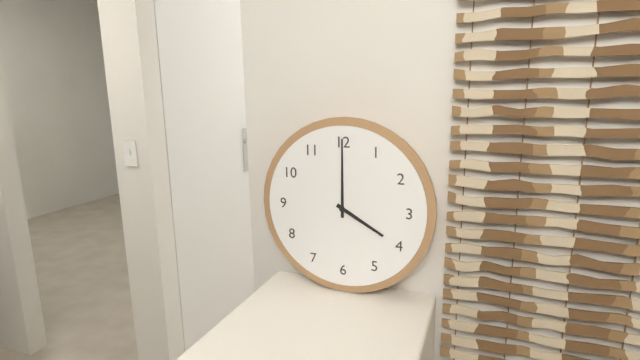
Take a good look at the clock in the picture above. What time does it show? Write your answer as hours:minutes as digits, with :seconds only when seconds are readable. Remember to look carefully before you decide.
4:00
